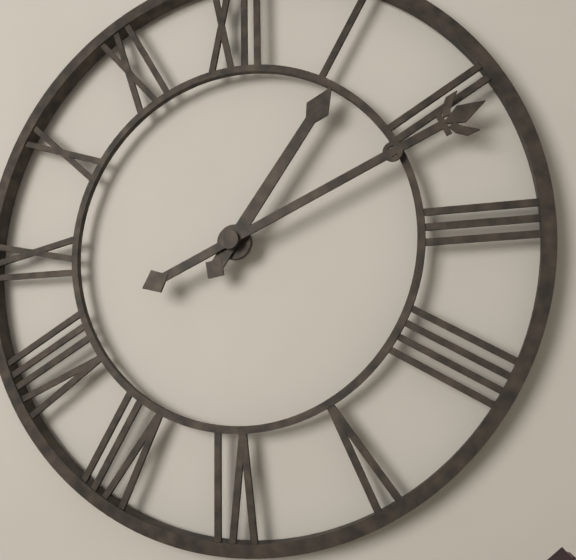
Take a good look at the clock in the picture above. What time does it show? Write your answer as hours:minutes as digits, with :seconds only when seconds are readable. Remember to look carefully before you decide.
1:11
